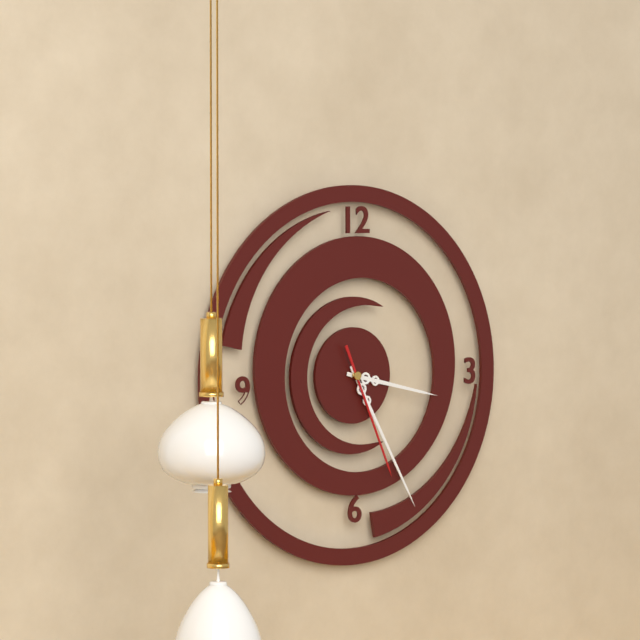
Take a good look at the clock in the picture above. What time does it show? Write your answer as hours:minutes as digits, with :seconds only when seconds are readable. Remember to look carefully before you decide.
3:25:26
